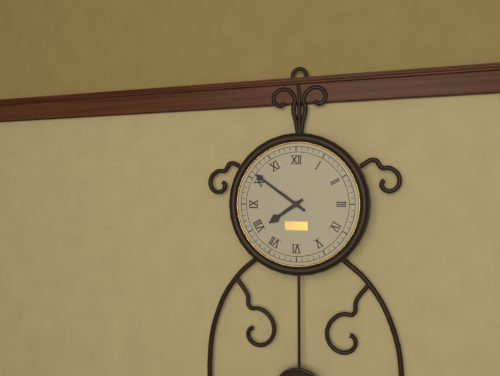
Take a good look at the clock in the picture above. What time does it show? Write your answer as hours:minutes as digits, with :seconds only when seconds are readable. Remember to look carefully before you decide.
7:51
